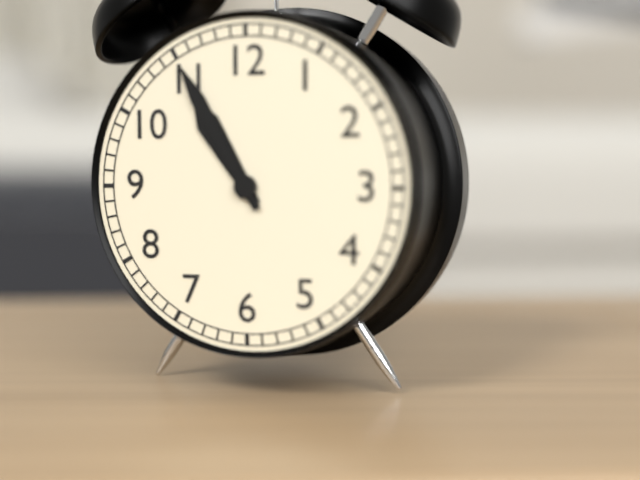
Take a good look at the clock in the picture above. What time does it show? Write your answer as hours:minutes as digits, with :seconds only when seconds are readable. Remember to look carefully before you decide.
10:55
